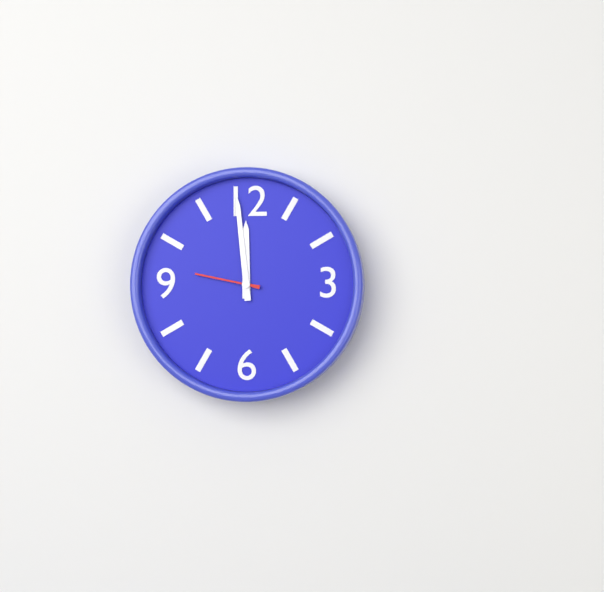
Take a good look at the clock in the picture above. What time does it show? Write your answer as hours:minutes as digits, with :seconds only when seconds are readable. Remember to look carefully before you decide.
11:59:47
